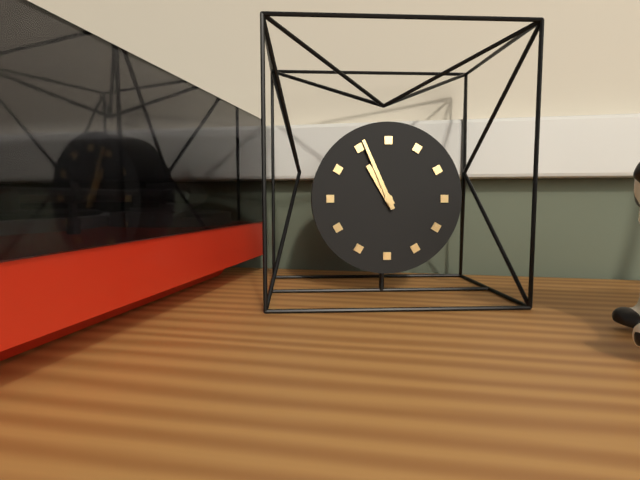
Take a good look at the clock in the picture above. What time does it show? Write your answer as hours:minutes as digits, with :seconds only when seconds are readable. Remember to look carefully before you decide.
10:56
